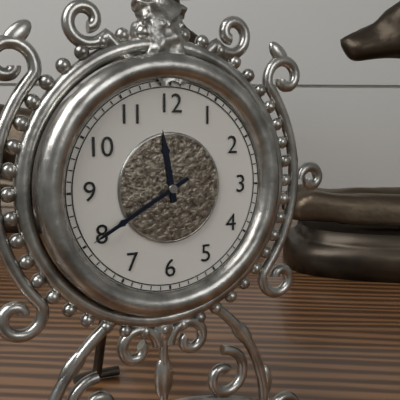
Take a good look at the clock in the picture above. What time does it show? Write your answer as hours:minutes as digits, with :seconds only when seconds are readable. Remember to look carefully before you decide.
11:40
